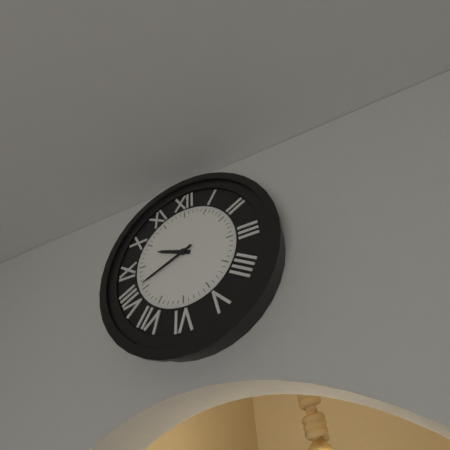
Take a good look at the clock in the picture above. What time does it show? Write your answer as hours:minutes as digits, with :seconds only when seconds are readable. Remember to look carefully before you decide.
9:41
